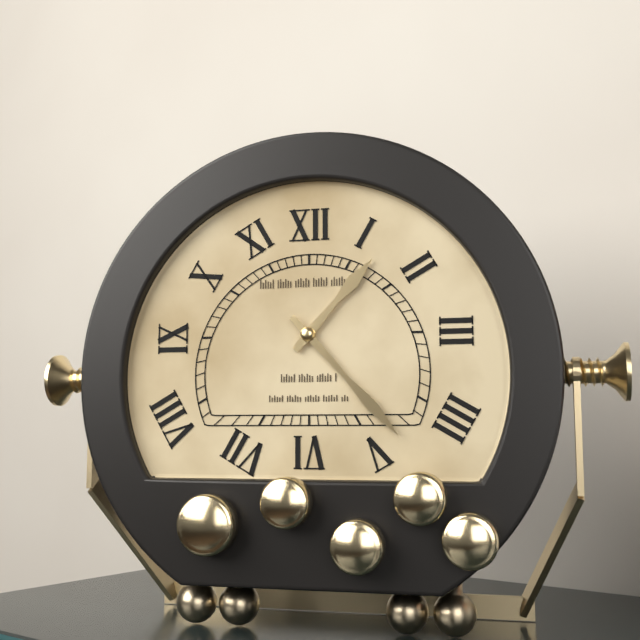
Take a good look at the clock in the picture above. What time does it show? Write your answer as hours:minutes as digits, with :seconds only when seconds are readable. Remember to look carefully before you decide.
1:23
